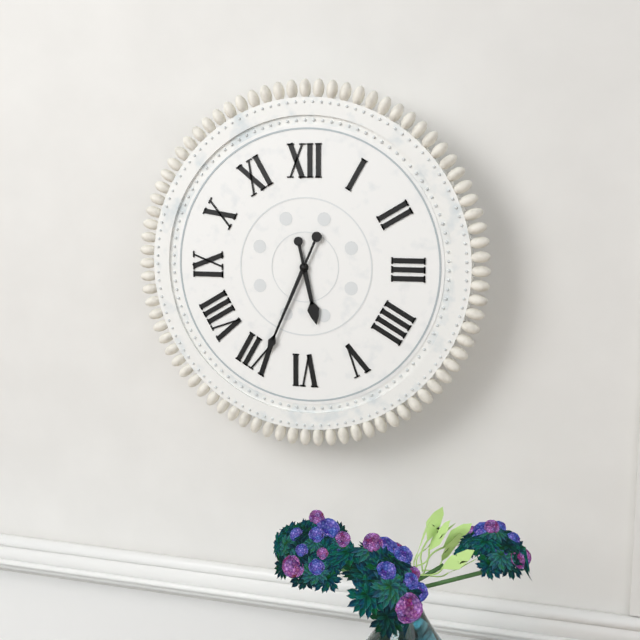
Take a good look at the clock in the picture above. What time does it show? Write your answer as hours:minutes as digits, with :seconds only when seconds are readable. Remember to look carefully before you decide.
5:34
